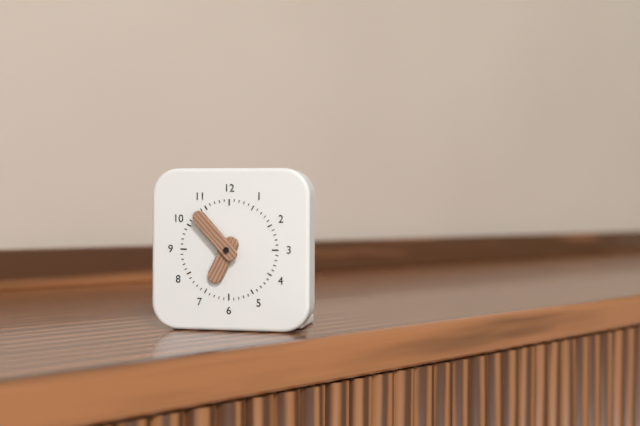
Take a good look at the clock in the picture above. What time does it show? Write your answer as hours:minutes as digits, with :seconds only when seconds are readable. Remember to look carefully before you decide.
6:53
